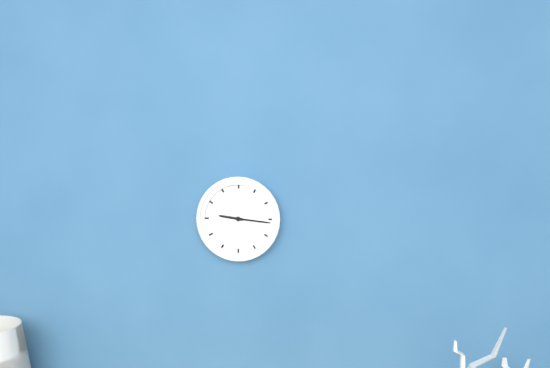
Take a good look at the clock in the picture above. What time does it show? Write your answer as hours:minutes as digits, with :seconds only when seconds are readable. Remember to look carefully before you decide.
9:16
